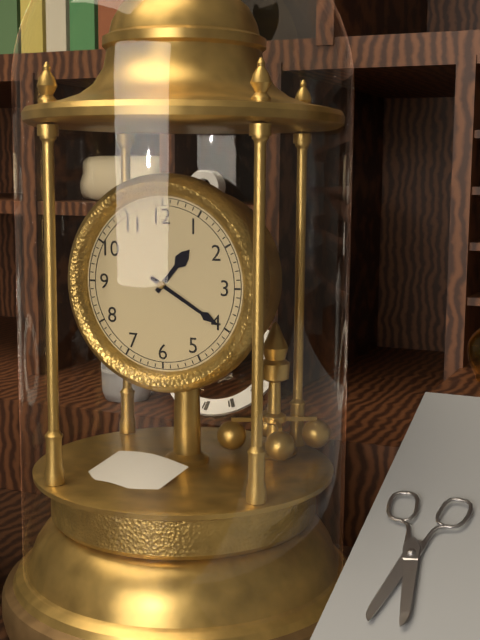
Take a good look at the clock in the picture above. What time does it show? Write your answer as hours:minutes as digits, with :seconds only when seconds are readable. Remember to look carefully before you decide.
1:20
